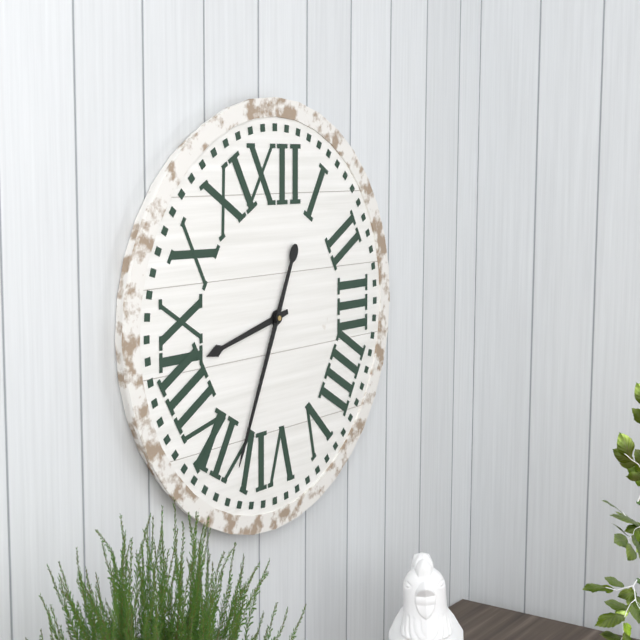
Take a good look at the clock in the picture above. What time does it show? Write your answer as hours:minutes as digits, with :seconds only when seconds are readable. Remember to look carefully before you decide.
8:34
